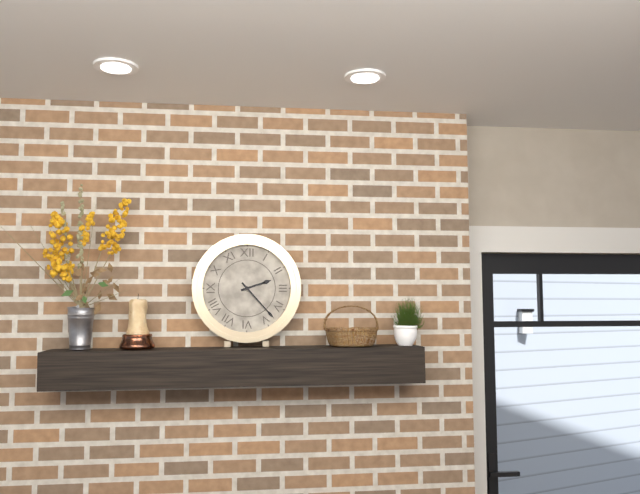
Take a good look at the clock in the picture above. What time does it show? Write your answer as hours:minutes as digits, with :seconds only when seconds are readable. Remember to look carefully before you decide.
2:23
